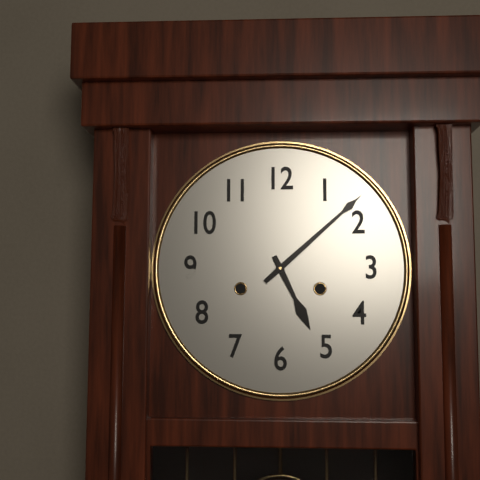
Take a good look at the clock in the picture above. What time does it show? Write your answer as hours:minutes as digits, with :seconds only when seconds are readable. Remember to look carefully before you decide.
5:08
